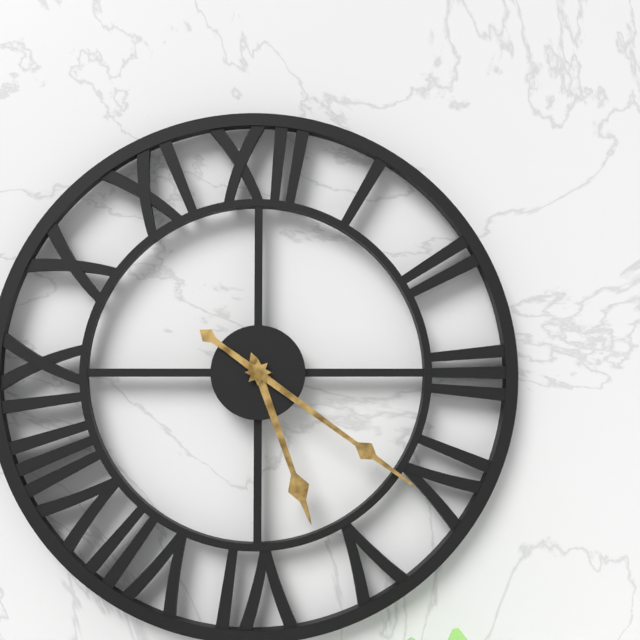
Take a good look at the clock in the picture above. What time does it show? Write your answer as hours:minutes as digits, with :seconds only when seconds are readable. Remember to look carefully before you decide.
5:21
